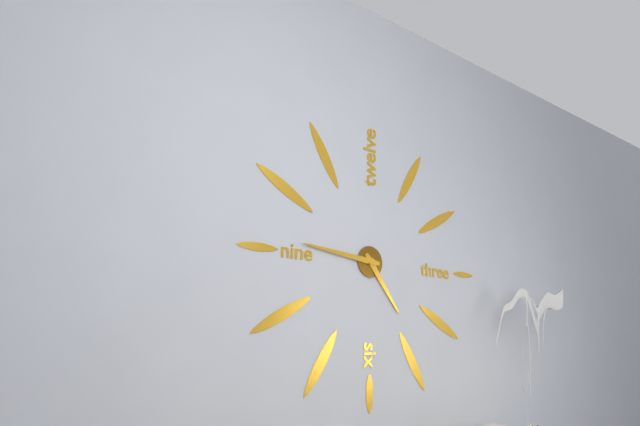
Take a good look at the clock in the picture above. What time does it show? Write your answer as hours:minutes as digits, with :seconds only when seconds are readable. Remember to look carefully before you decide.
4:46
